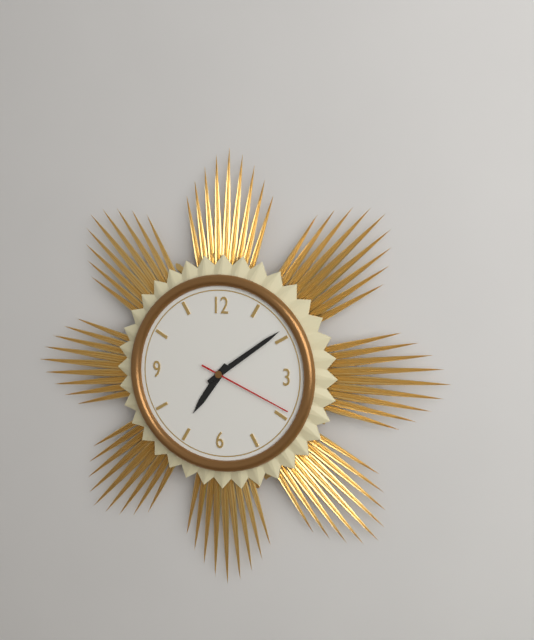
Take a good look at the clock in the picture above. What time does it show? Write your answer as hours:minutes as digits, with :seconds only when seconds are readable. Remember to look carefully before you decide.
7:09:19
